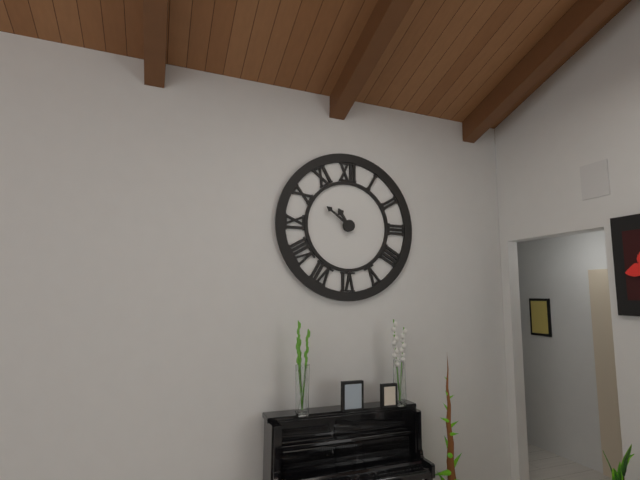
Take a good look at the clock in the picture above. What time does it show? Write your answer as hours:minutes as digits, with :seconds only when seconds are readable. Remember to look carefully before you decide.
10:51
